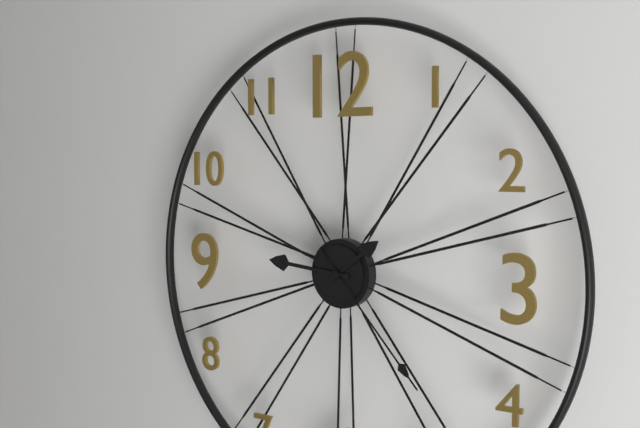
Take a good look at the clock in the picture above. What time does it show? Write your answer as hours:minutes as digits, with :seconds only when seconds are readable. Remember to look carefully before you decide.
1:46:23
